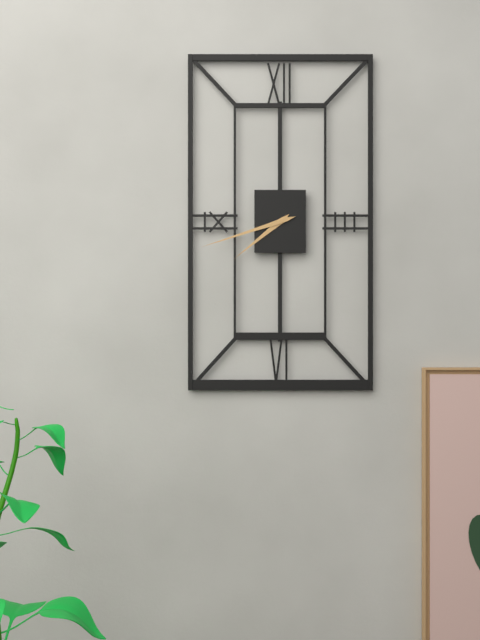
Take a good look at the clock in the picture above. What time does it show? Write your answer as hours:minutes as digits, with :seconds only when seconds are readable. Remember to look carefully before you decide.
7:42
